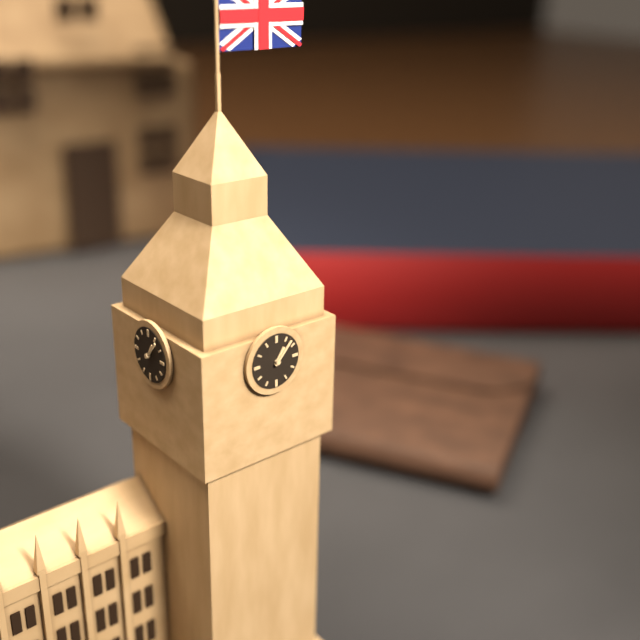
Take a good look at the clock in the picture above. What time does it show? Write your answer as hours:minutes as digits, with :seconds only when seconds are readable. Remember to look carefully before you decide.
1:07
